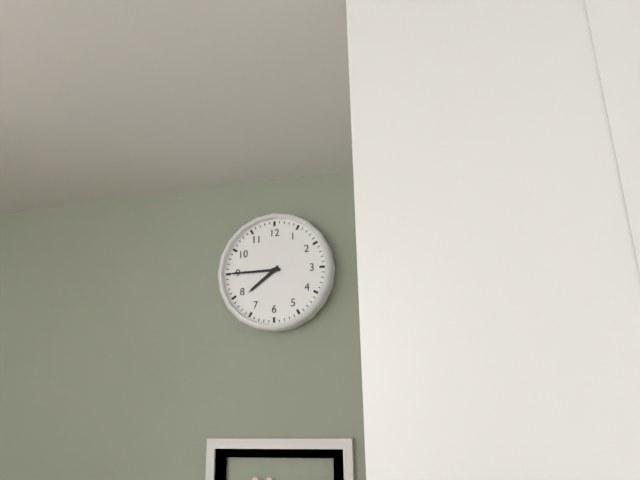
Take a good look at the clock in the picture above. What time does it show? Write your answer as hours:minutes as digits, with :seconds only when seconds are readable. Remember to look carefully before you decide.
7:45
